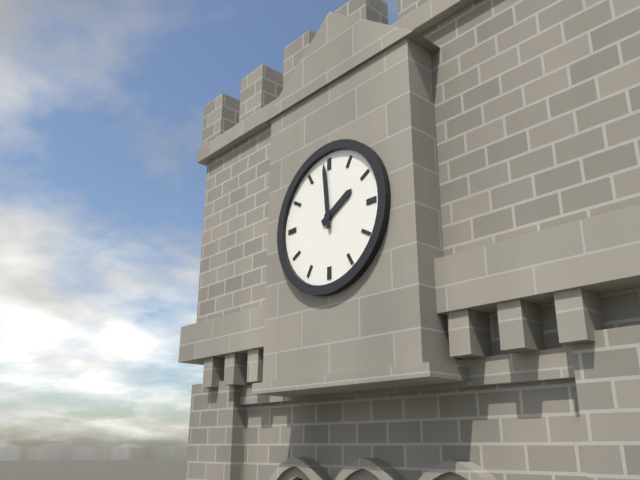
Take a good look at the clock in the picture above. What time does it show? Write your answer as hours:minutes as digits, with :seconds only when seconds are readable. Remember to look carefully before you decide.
1:59
